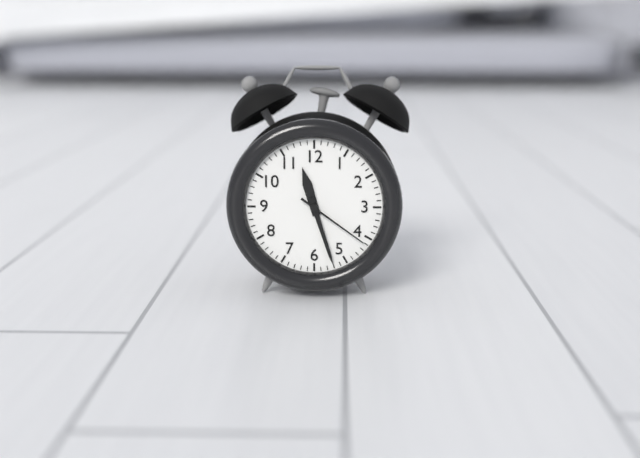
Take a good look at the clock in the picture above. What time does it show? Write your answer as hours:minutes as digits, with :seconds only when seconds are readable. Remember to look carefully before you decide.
11:27:21
